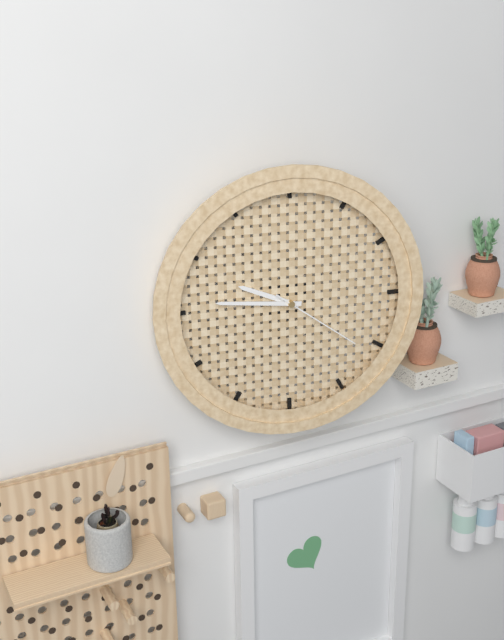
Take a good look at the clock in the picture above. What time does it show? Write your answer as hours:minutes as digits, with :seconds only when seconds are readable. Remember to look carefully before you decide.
9:46:21
